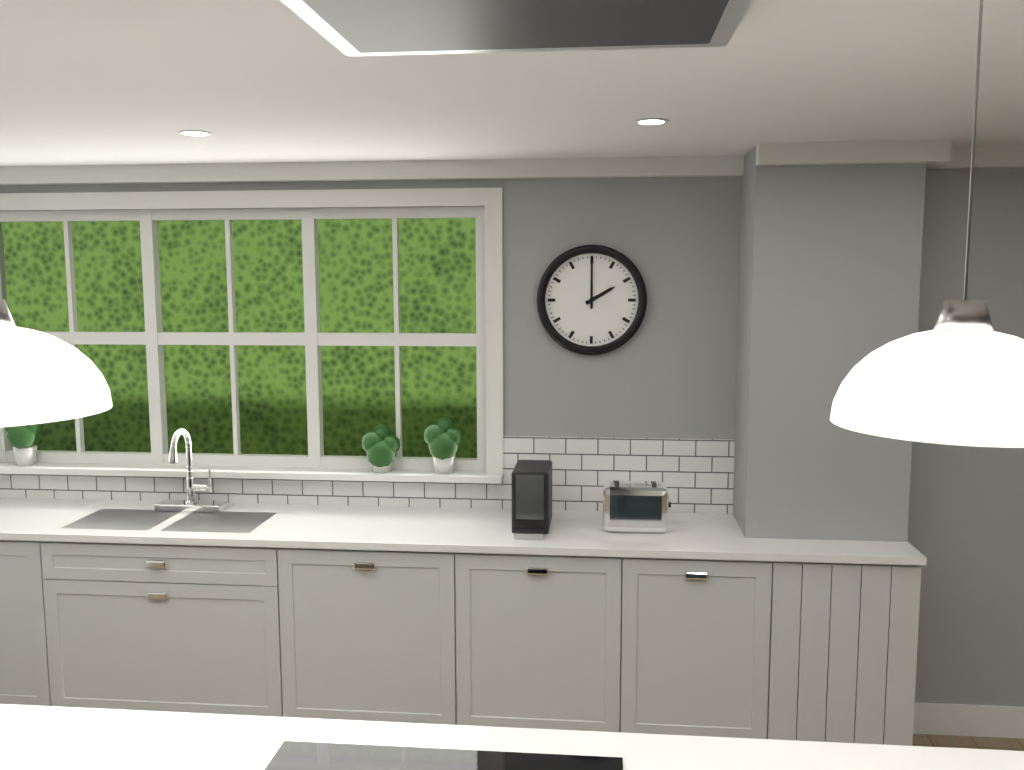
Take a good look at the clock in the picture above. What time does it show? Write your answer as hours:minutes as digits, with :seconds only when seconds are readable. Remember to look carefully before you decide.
2:00
